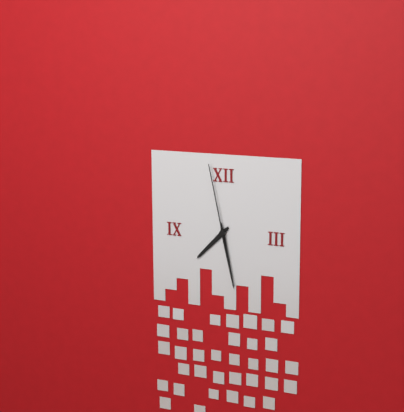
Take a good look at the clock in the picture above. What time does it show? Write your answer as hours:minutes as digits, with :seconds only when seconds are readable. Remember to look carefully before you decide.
7:28:58
